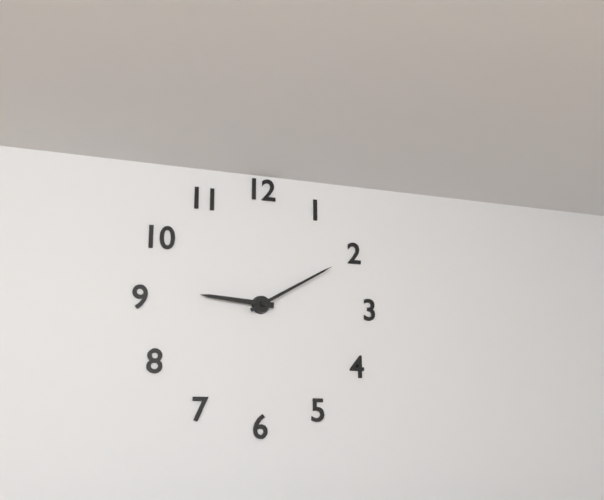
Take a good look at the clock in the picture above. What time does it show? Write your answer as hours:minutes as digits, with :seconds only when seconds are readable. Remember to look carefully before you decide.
9:10
